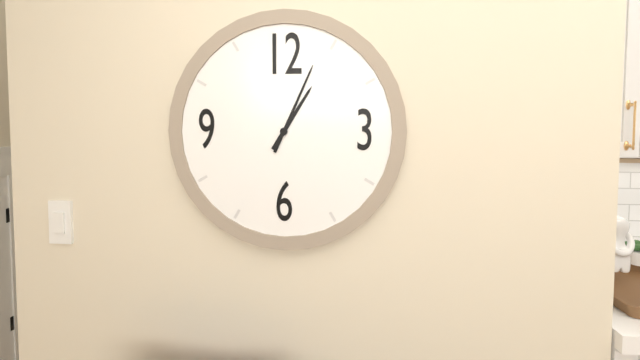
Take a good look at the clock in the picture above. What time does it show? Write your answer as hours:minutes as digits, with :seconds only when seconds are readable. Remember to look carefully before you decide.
1:04
